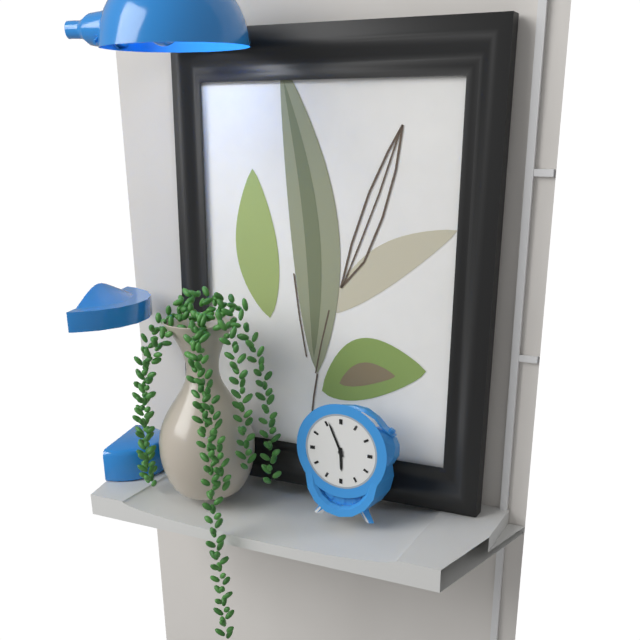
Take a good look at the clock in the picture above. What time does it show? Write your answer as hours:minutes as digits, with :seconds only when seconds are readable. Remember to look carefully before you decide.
5:56
